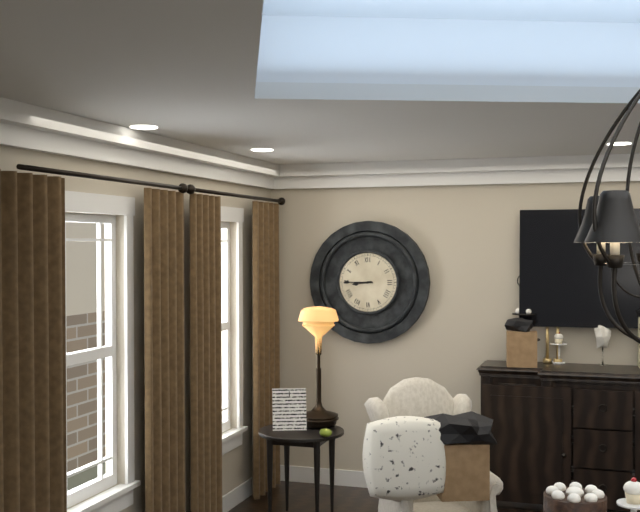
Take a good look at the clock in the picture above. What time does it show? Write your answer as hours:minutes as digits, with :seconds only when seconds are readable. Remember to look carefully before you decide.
8:45
